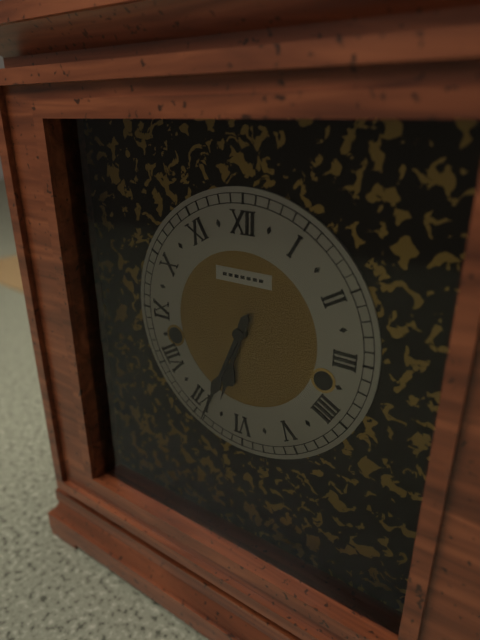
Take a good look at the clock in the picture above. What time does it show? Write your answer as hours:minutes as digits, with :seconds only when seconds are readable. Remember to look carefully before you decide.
6:34
